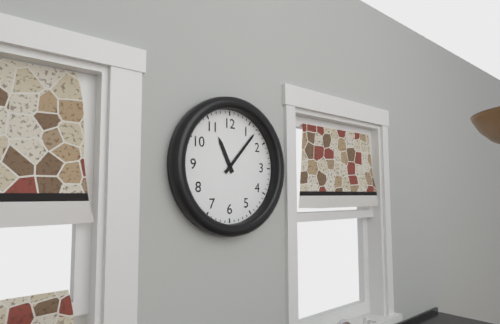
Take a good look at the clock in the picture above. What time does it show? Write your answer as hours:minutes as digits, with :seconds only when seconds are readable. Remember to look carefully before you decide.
11:07
